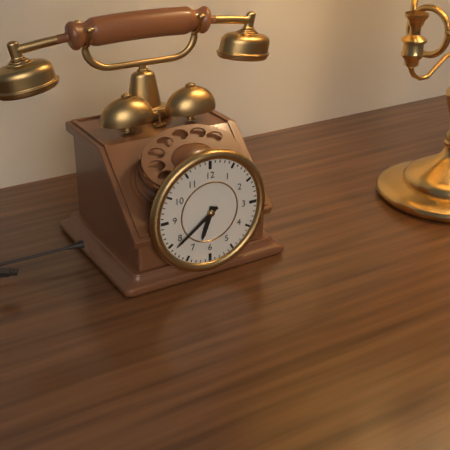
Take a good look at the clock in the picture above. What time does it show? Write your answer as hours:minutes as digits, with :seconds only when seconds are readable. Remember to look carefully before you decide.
6:39
